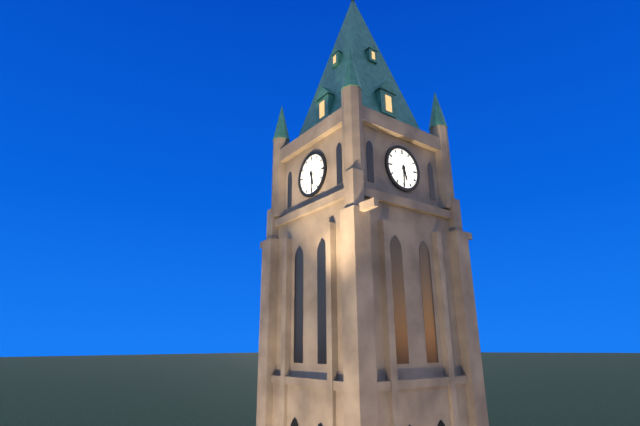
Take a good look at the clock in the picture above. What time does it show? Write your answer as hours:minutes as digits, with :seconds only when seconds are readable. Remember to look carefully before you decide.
5:30
